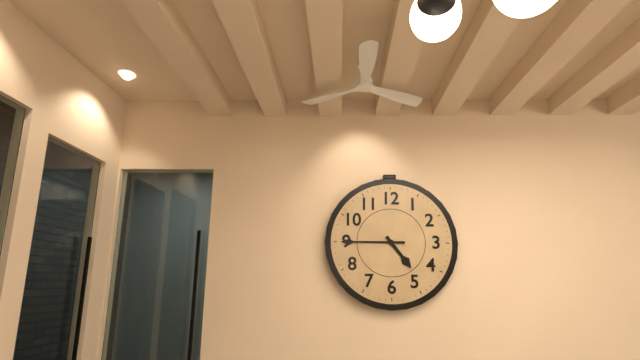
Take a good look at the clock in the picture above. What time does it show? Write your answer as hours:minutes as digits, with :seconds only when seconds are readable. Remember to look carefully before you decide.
4:45
